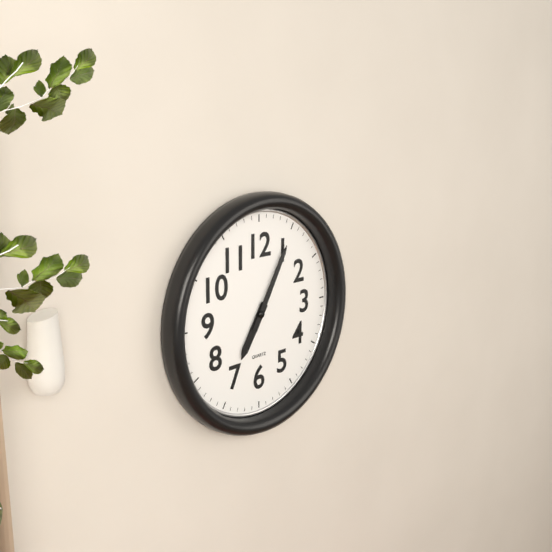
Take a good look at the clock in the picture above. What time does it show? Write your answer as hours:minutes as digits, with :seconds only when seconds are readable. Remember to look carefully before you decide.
7:05
